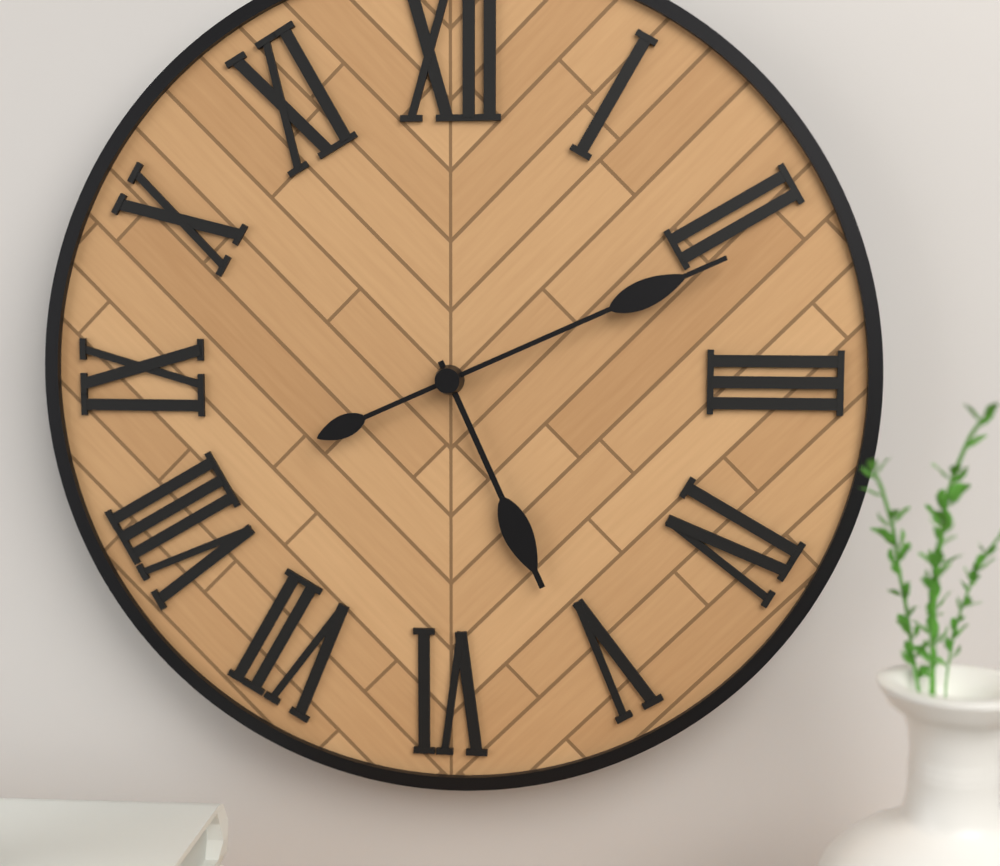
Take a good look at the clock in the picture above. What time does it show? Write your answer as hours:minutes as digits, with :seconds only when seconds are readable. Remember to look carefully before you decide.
5:11
